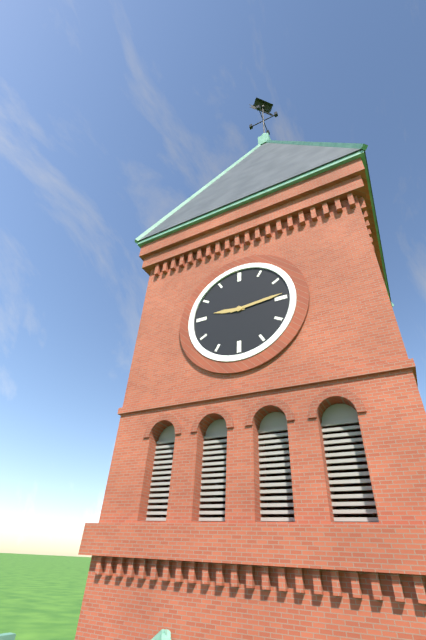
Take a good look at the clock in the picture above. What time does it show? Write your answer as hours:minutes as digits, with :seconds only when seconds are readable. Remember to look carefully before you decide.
9:14
